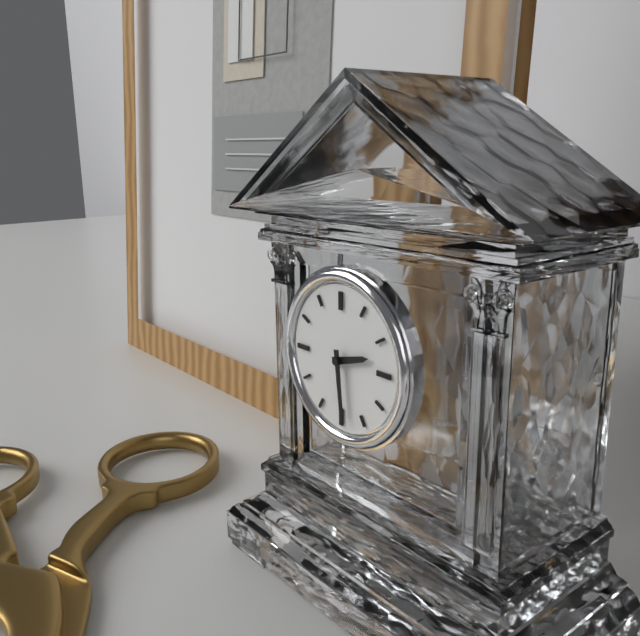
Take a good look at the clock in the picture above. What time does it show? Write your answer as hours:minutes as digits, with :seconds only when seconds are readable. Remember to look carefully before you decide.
2:29
